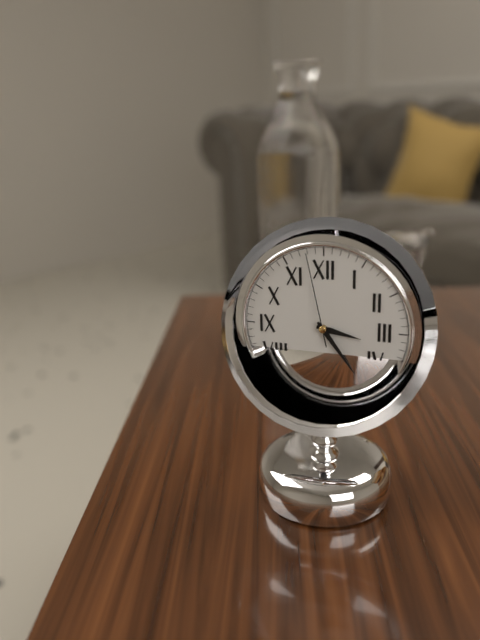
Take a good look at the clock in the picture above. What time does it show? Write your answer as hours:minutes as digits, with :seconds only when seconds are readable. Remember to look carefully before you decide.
3:24:58
